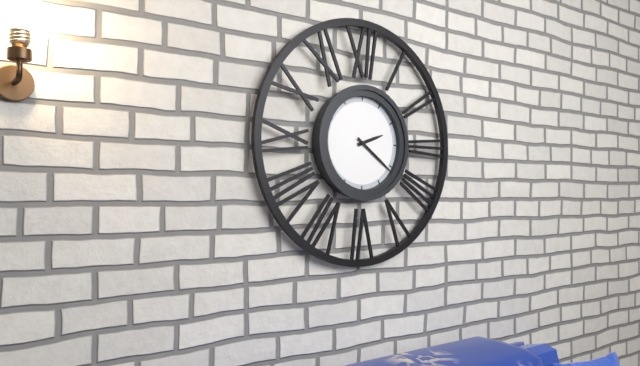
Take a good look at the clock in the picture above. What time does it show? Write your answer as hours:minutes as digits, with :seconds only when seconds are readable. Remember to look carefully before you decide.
2:21
